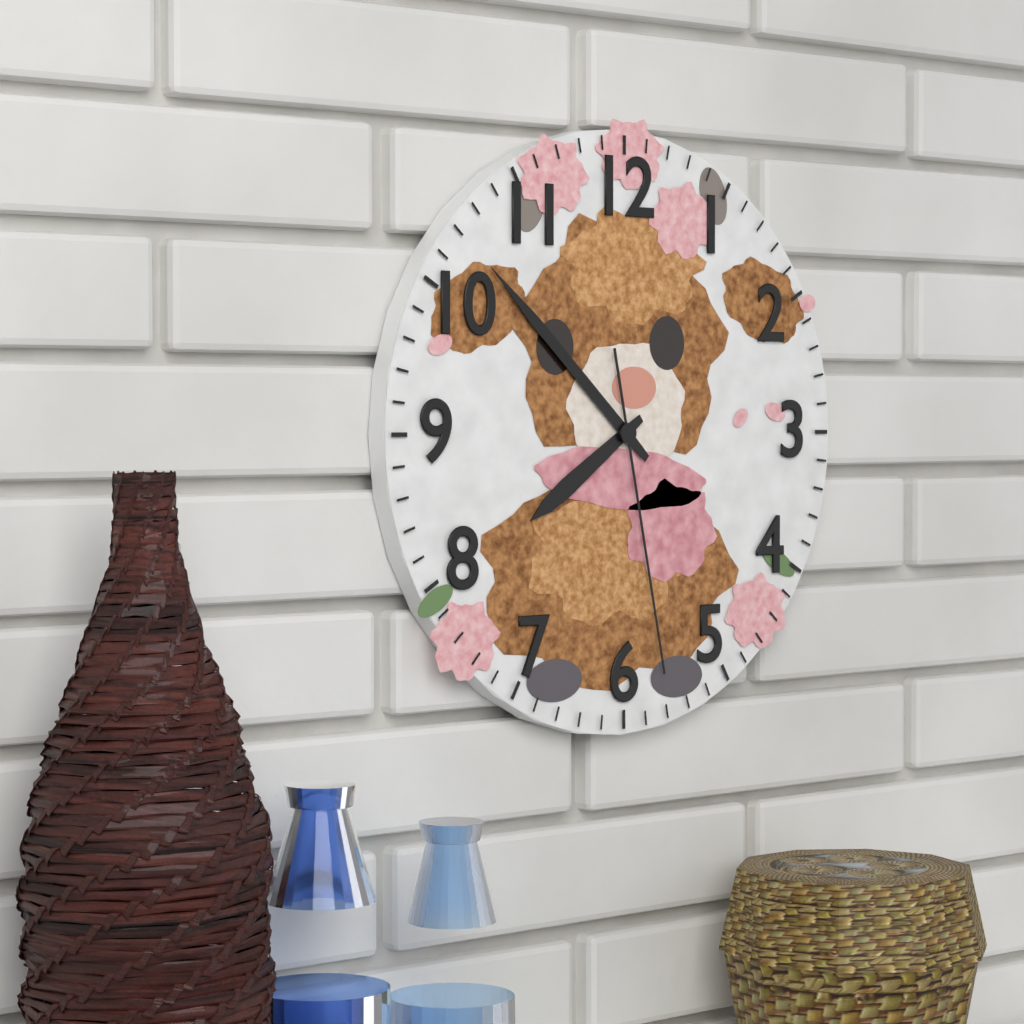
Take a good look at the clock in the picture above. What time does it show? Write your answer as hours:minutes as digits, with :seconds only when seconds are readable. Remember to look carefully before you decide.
7:52:28
